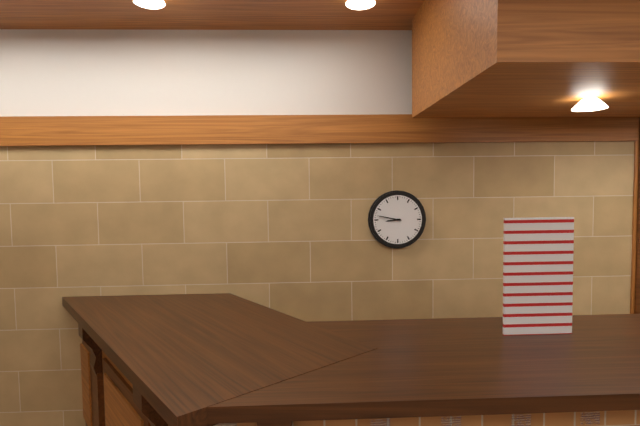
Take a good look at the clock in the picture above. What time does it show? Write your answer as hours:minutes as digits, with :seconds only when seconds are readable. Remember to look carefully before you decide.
8:47
